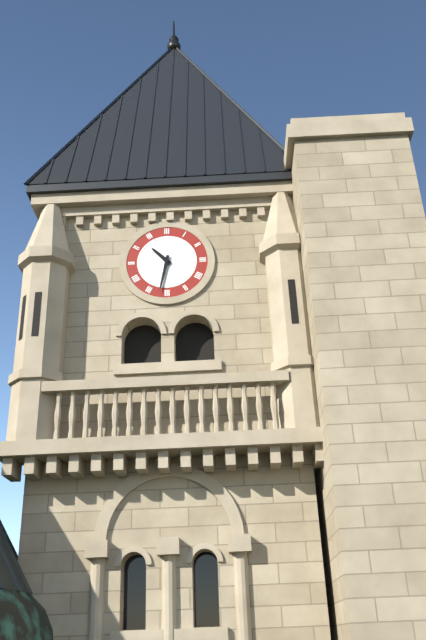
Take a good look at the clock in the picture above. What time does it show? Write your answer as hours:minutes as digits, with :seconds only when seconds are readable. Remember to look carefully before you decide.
10:32
